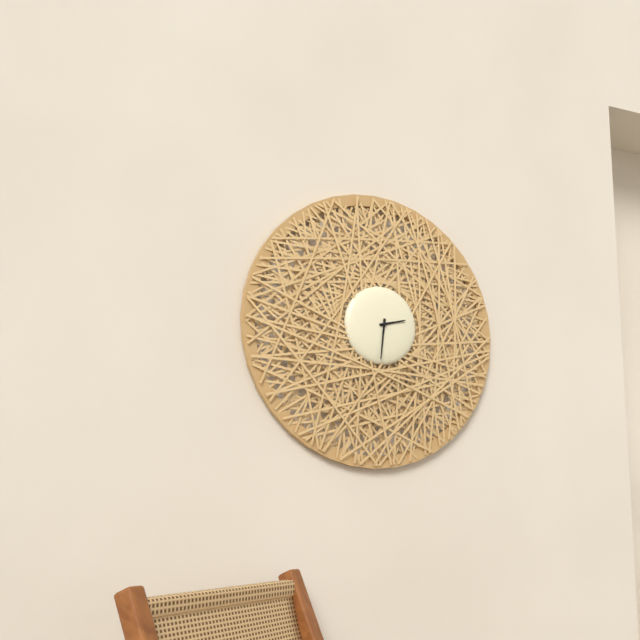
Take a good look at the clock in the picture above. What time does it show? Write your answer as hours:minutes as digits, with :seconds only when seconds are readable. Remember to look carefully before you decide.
2:31
